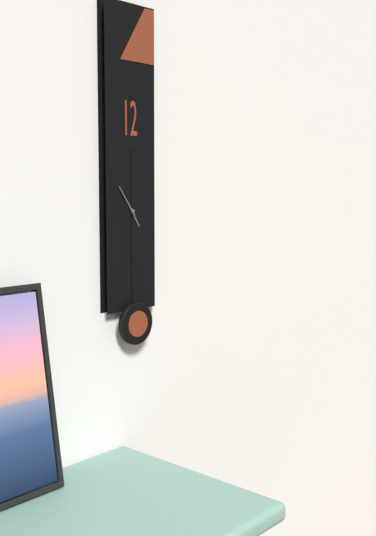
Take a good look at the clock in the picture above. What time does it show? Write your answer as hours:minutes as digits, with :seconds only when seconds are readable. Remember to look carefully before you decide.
4:54
